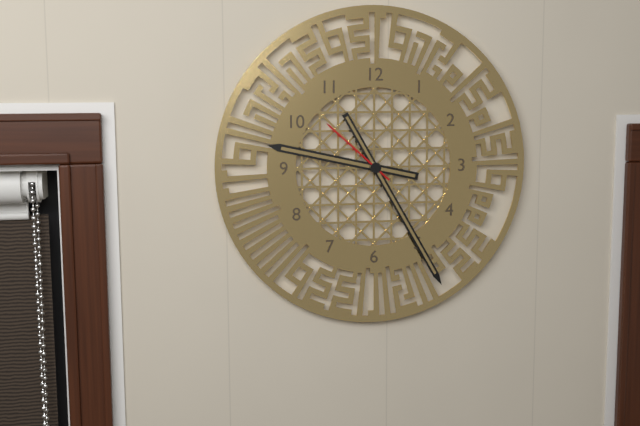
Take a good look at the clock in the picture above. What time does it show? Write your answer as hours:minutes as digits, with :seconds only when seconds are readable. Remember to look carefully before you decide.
9:25:52
